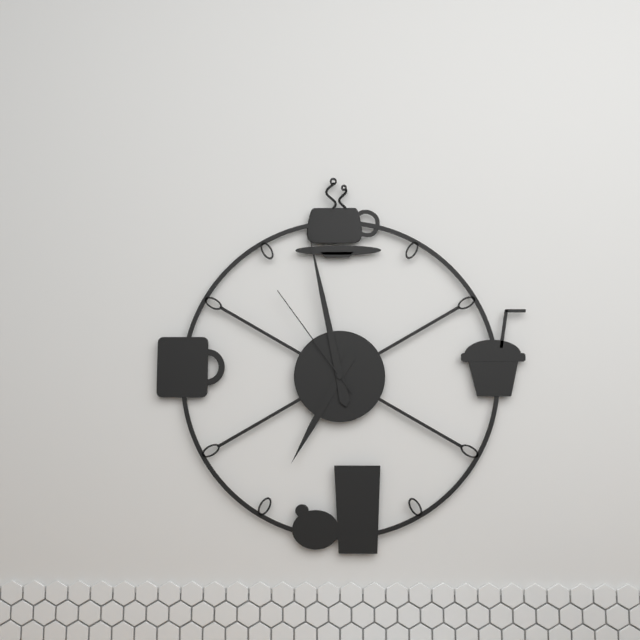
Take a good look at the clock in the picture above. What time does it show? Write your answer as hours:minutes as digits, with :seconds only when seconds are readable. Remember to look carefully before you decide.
6:58:54
